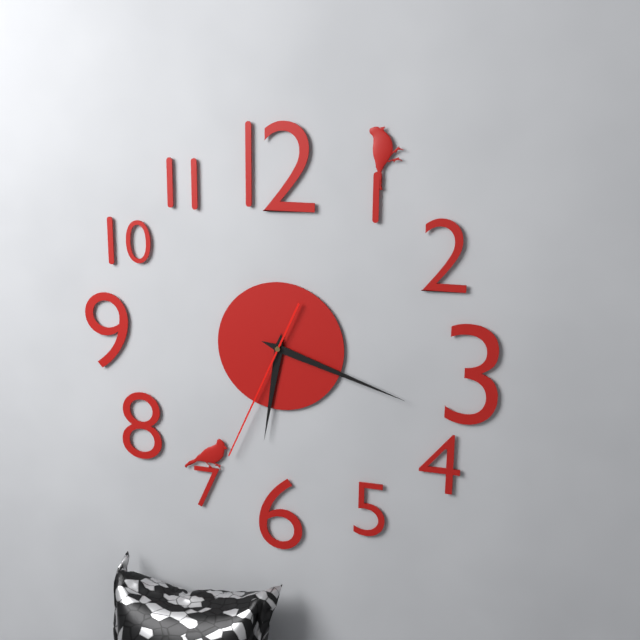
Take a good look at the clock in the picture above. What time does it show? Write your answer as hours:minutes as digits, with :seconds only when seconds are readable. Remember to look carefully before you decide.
6:18:34
